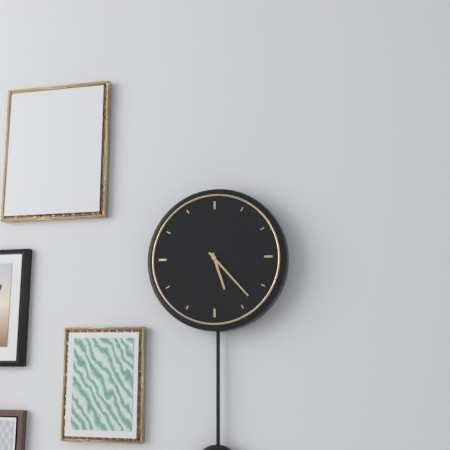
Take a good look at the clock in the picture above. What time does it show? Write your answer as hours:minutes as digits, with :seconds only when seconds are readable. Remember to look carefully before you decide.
5:23
